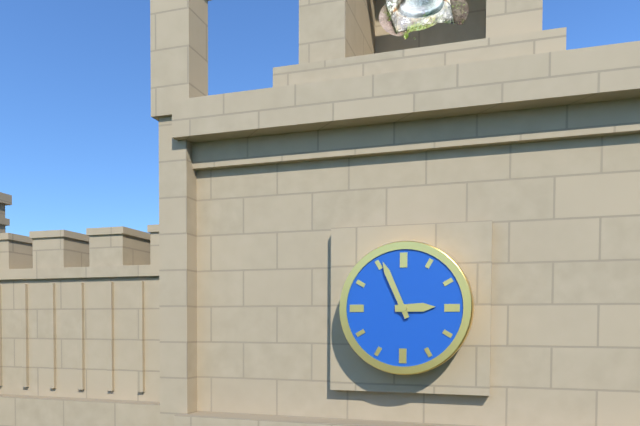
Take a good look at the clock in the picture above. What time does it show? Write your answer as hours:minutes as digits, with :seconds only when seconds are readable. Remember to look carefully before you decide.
2:56
